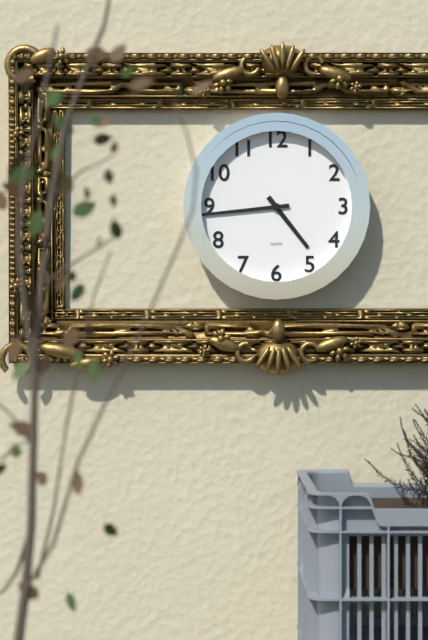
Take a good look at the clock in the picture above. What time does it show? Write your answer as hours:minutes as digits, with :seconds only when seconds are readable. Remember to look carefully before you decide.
4:44
